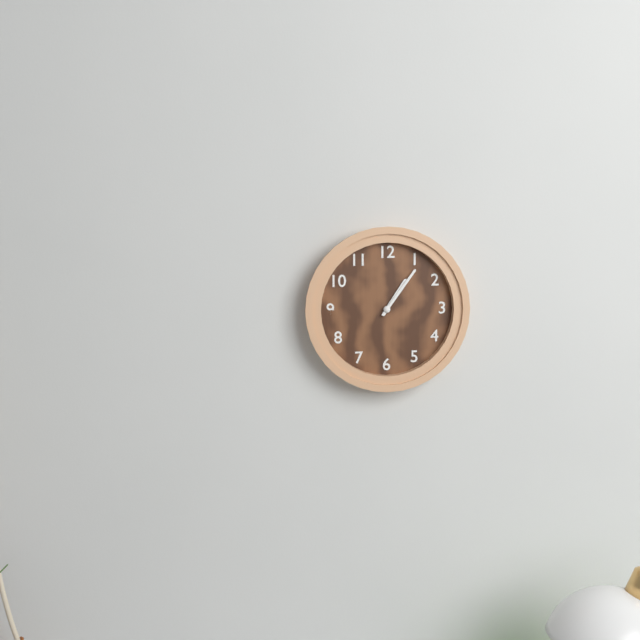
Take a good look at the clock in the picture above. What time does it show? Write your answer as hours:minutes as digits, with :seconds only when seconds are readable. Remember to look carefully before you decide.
1:06
